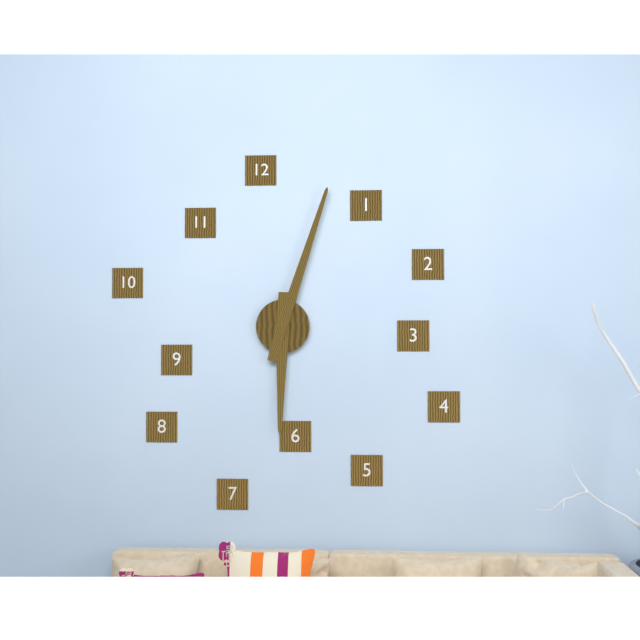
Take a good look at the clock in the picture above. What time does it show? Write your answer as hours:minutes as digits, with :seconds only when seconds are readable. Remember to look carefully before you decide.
6:03
